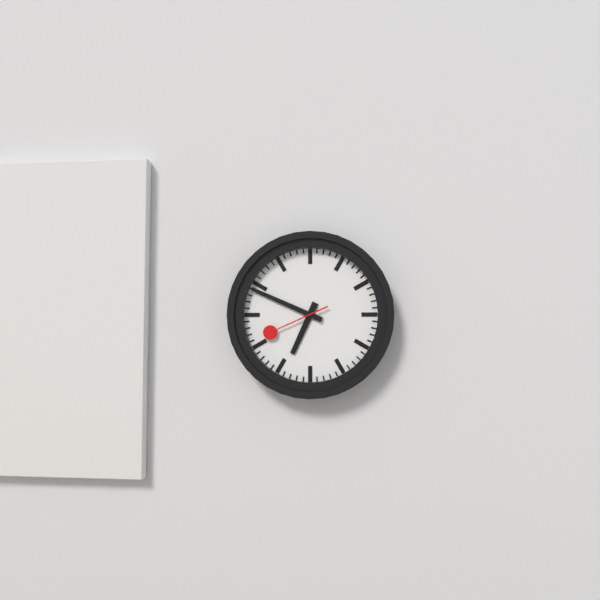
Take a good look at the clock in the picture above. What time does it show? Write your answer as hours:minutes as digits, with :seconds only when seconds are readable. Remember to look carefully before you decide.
6:49:41
